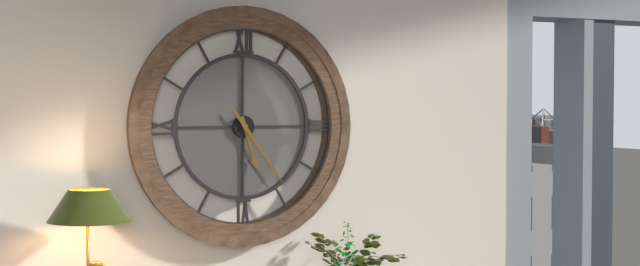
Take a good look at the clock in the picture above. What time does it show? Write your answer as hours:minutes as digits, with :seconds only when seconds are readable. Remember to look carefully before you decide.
5:24
